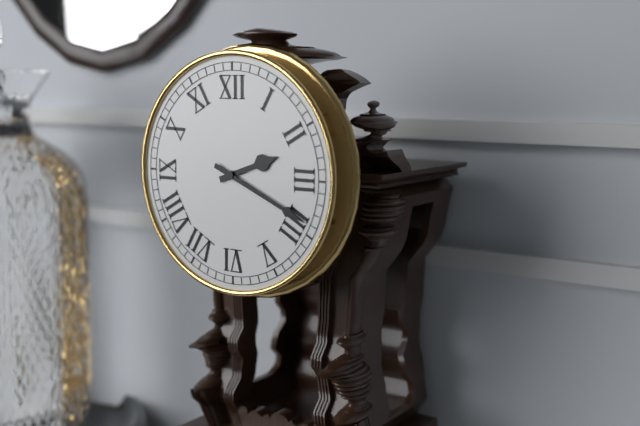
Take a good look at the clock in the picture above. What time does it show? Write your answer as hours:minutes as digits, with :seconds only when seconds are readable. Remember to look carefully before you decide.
2:19
